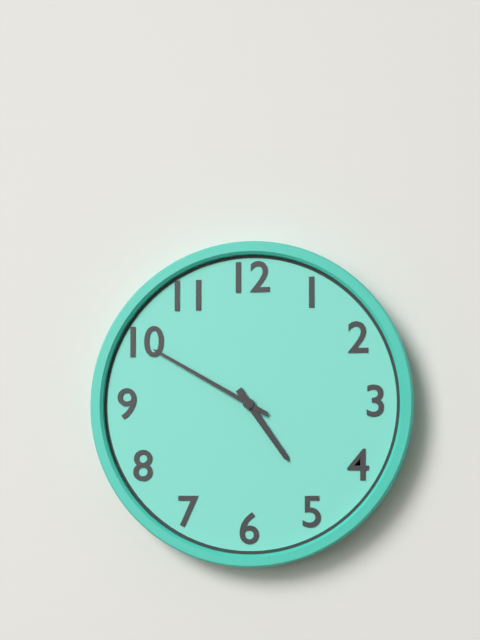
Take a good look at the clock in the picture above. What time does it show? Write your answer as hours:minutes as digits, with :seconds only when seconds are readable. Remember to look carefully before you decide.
4:50
